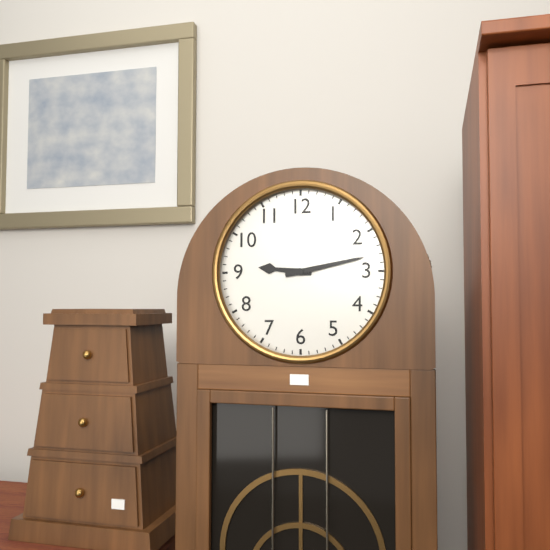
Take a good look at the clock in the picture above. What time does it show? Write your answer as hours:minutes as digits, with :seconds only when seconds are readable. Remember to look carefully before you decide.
9:13
